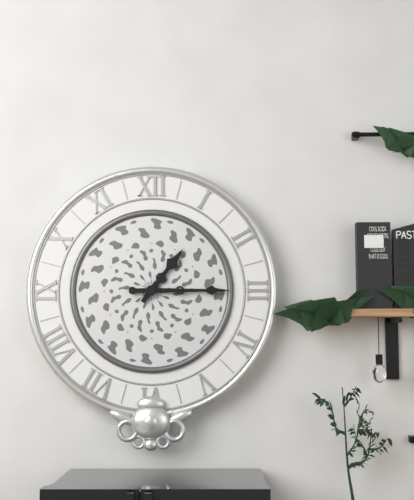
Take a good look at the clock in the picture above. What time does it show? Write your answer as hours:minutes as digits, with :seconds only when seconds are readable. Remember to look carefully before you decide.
1:15
